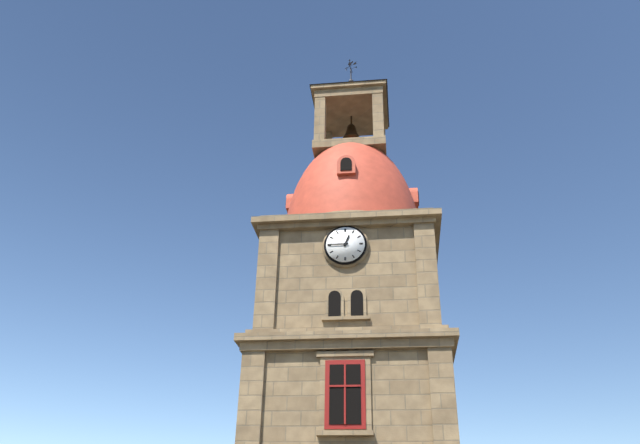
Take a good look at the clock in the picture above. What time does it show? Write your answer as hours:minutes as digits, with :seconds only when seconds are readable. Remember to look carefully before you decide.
12:45
